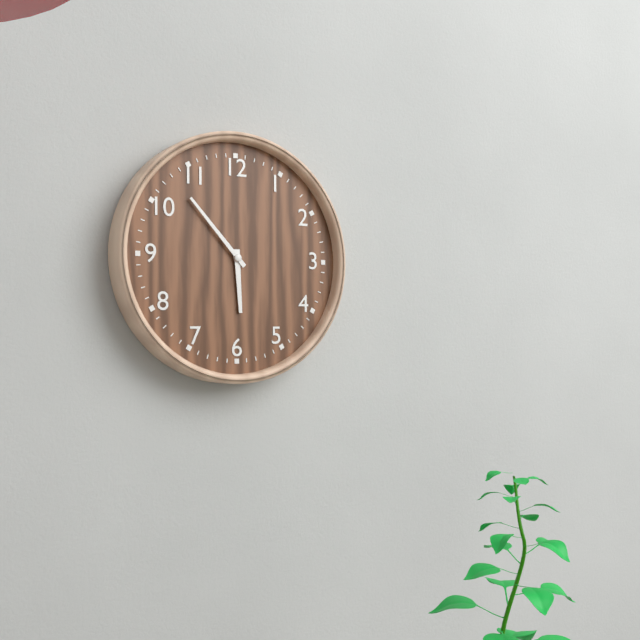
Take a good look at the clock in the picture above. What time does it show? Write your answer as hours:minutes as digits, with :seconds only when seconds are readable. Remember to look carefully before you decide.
5:53
